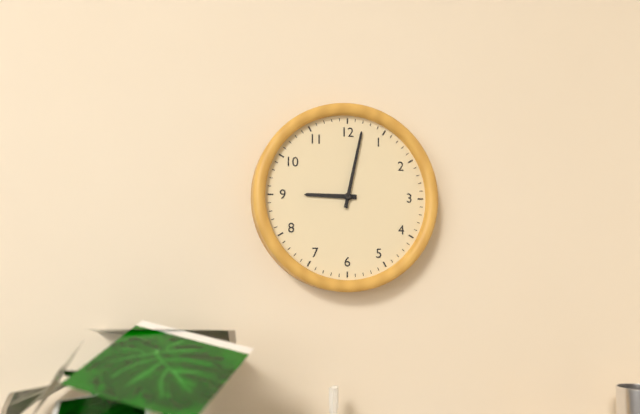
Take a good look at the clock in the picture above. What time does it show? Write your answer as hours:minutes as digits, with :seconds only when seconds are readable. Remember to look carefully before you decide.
9:02
